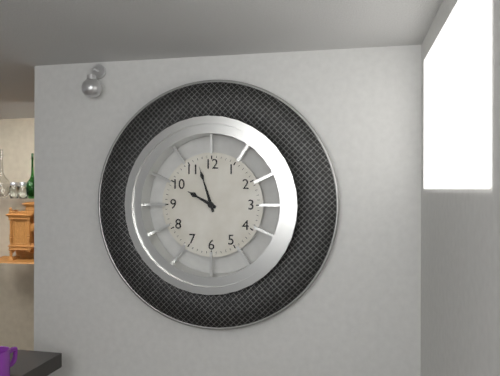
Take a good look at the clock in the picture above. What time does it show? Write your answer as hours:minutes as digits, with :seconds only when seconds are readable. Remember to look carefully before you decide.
9:57
